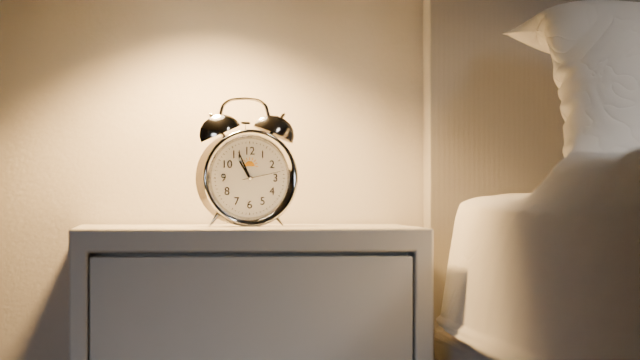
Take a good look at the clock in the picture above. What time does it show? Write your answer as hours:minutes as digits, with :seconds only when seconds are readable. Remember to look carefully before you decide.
10:56
